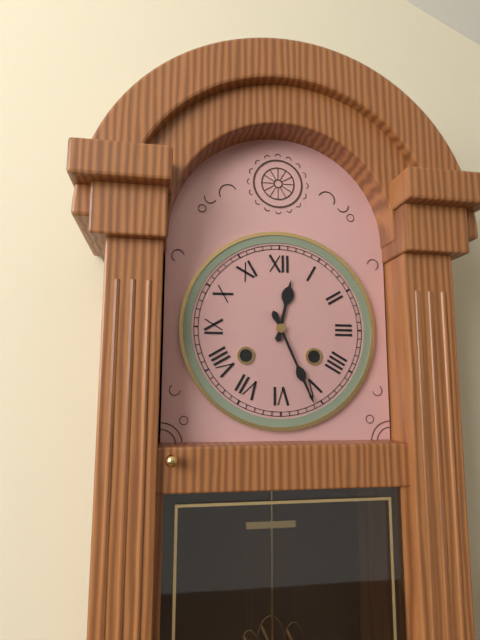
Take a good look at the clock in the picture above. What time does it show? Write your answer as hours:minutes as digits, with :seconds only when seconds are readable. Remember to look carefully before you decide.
12:26
